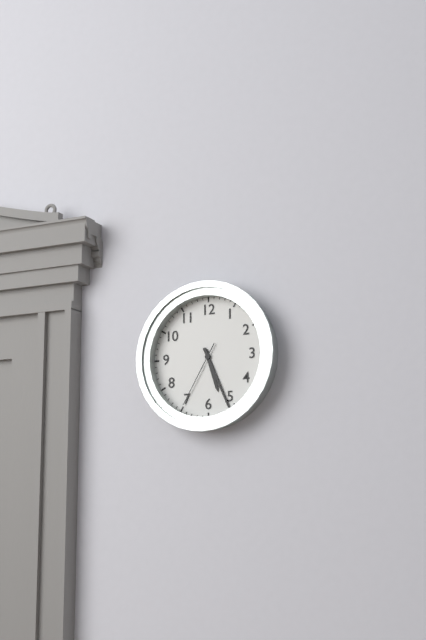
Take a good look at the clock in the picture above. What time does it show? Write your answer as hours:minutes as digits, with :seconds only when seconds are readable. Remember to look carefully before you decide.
5:26:35
